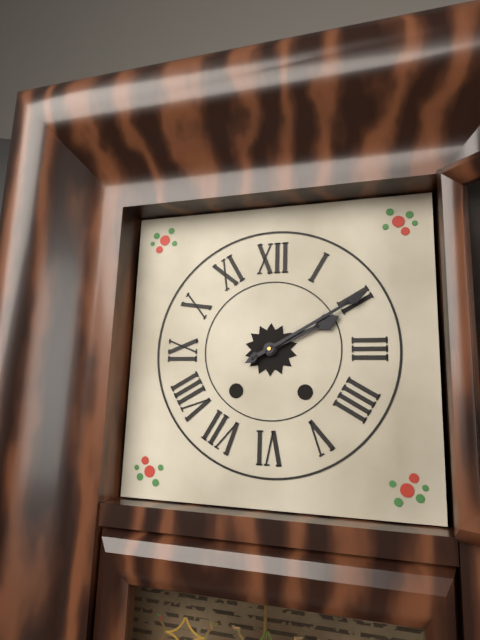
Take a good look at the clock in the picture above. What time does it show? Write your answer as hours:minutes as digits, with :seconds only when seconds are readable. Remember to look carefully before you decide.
2:10
